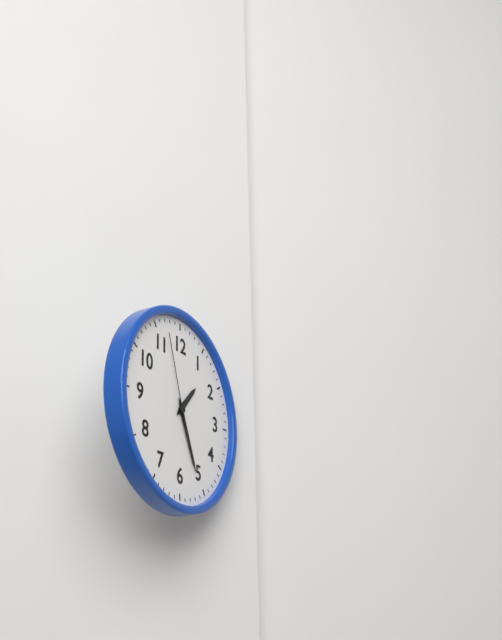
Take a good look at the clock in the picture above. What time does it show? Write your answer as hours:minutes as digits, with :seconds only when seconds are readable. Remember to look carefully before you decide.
1:26:57
